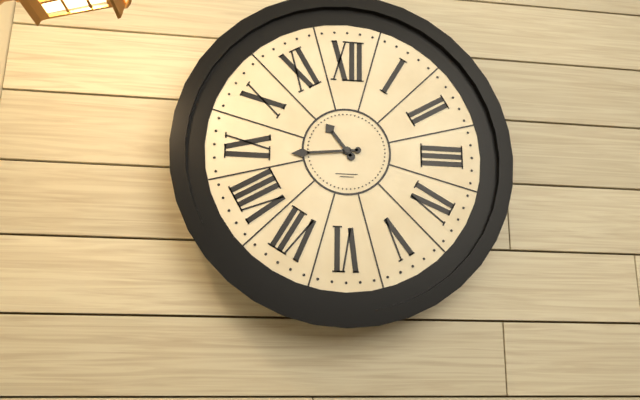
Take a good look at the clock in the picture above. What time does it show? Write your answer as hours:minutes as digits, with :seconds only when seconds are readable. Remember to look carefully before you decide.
10:44
